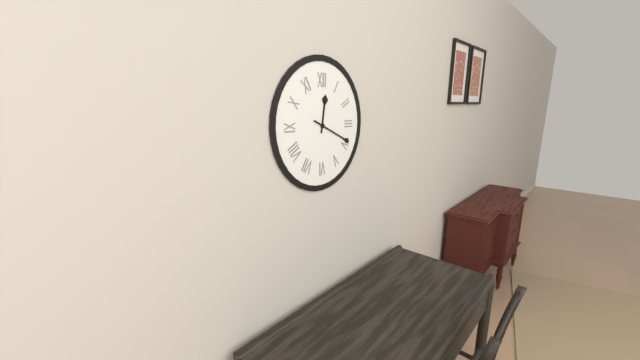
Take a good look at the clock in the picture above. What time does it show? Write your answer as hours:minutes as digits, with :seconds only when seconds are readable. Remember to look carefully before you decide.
12:19
